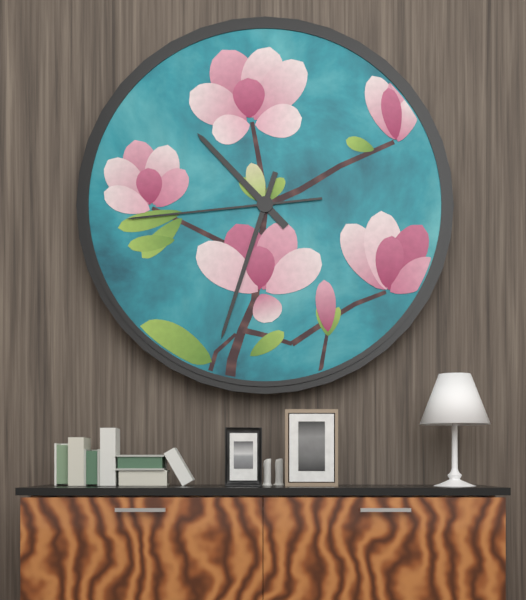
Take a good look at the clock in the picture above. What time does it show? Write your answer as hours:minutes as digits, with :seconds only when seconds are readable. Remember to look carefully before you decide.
10:33:44
